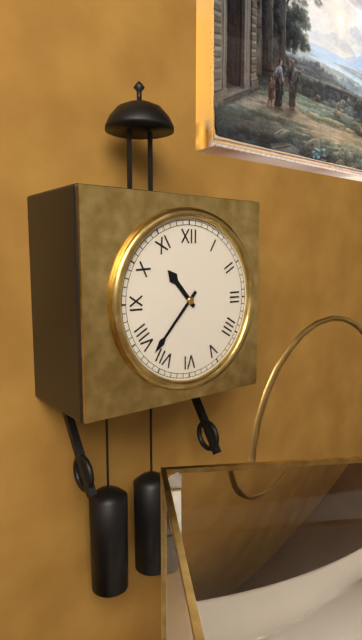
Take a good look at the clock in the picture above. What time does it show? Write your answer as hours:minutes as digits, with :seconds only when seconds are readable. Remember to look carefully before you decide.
10:37
